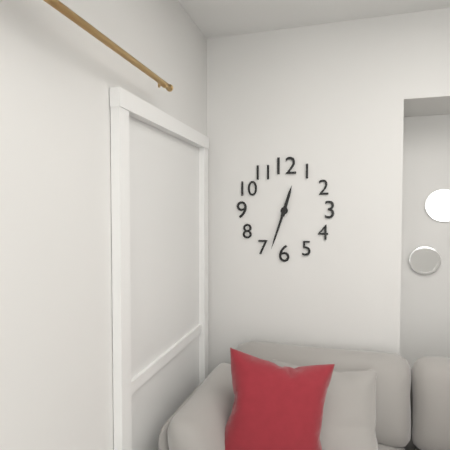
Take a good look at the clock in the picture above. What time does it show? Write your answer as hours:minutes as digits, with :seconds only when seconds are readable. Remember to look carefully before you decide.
12:33
